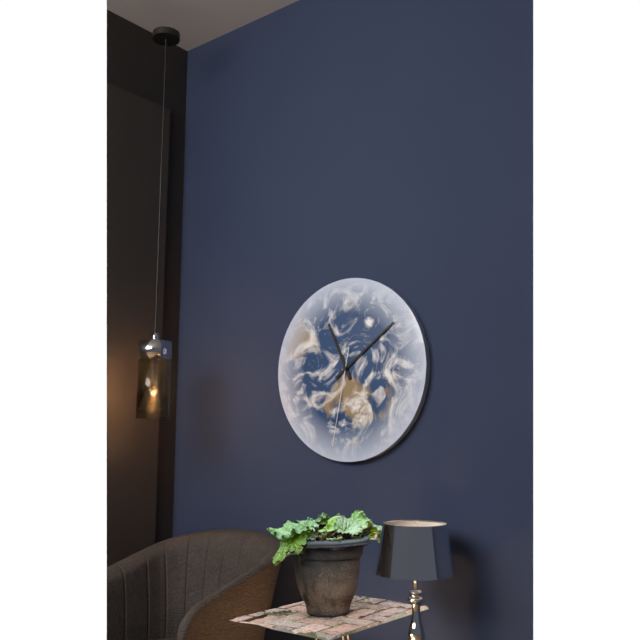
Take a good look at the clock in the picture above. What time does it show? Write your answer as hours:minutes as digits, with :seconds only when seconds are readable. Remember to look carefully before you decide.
11:09:32
